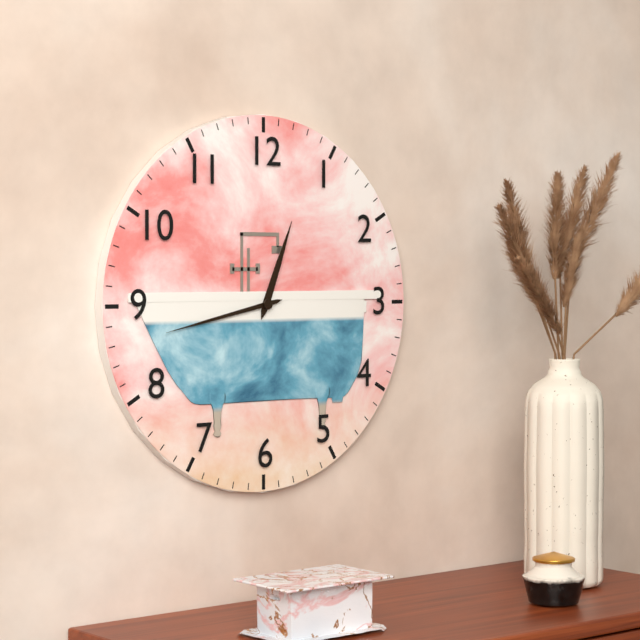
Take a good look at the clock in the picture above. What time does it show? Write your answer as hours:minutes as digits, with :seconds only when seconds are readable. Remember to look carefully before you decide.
12:43
